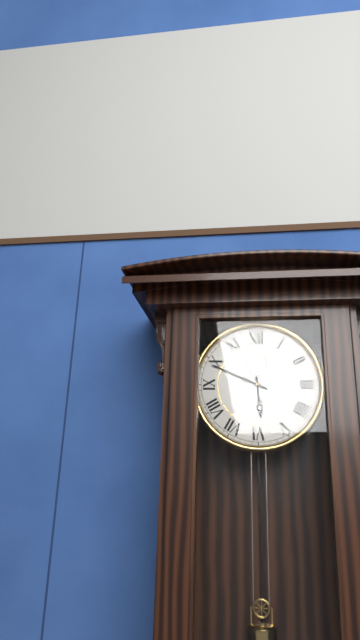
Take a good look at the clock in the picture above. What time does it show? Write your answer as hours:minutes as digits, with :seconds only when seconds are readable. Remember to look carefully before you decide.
5:49
